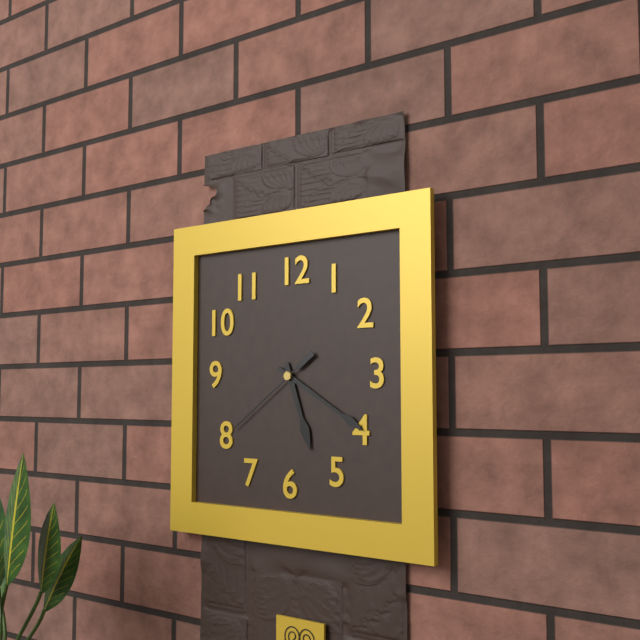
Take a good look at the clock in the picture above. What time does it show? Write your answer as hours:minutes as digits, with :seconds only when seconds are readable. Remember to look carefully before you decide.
5:20:39
